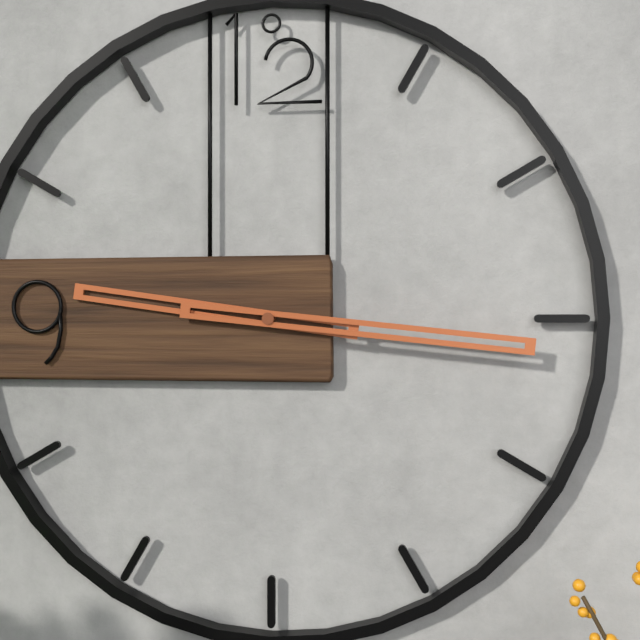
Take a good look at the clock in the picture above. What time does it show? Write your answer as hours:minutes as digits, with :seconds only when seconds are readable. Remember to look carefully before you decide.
9:16
